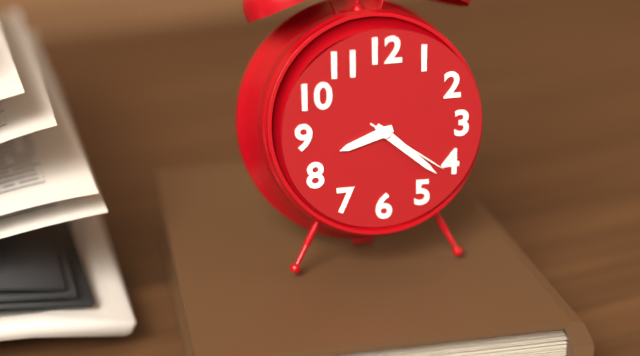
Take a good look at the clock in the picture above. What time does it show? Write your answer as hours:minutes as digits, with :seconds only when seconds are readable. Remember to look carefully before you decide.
8:22:21
